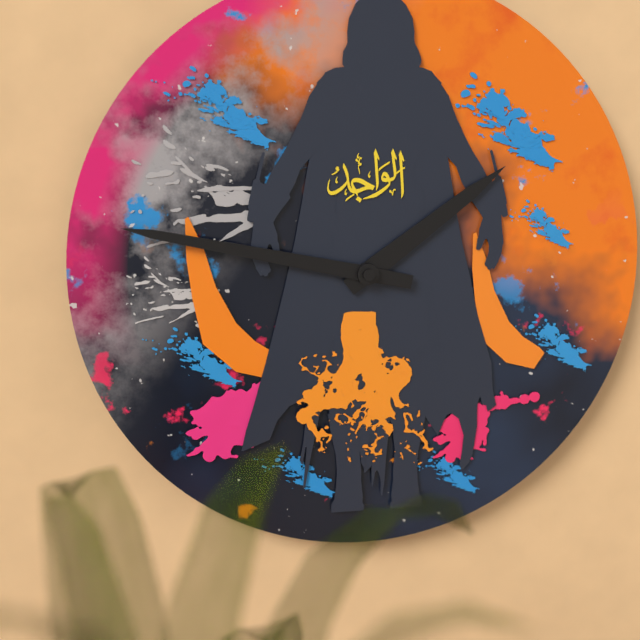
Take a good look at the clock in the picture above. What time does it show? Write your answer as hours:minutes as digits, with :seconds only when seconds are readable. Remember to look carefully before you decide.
1:47
